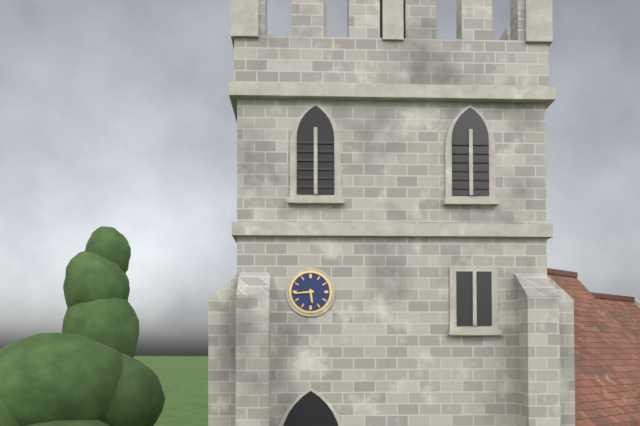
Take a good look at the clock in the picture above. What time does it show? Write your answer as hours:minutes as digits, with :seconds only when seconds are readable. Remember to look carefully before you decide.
5:44
